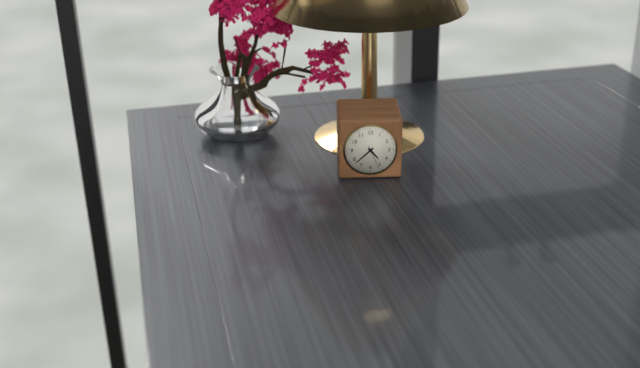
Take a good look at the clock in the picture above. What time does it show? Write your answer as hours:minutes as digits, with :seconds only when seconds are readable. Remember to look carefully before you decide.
4:38
